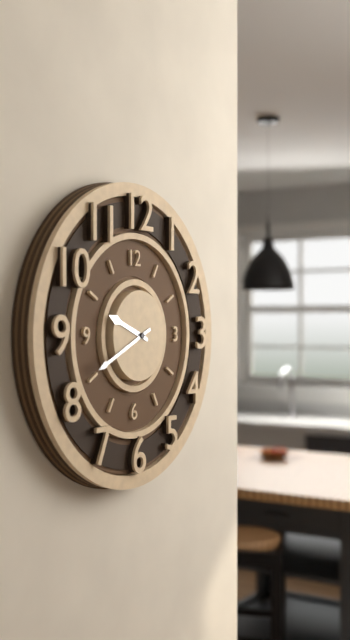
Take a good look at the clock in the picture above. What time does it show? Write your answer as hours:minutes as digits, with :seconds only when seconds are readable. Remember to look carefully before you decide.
9:41
